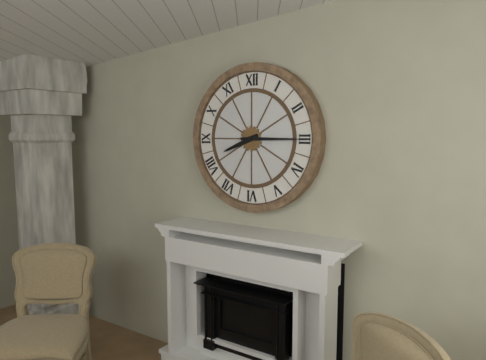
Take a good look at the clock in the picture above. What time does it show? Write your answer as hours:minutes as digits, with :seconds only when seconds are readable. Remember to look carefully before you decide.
8:15
